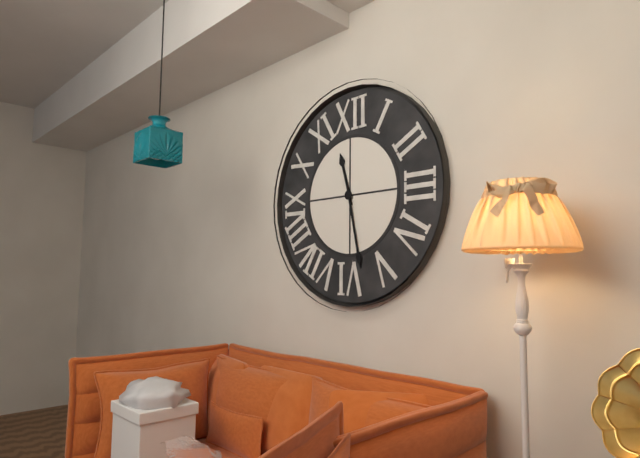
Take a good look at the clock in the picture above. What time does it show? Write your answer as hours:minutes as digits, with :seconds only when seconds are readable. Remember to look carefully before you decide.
11:28
